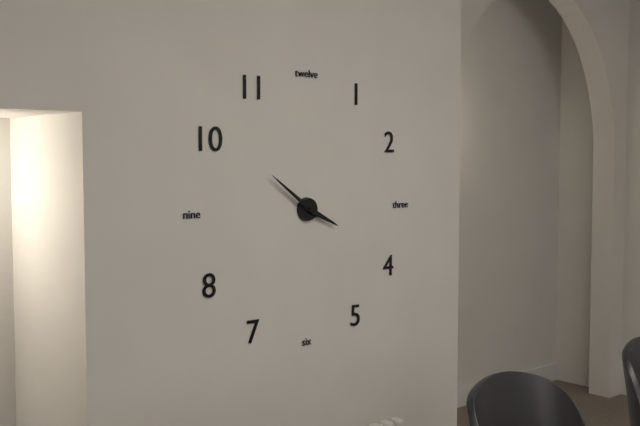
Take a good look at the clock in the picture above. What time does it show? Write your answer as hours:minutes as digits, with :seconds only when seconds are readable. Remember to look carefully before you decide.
3:51
